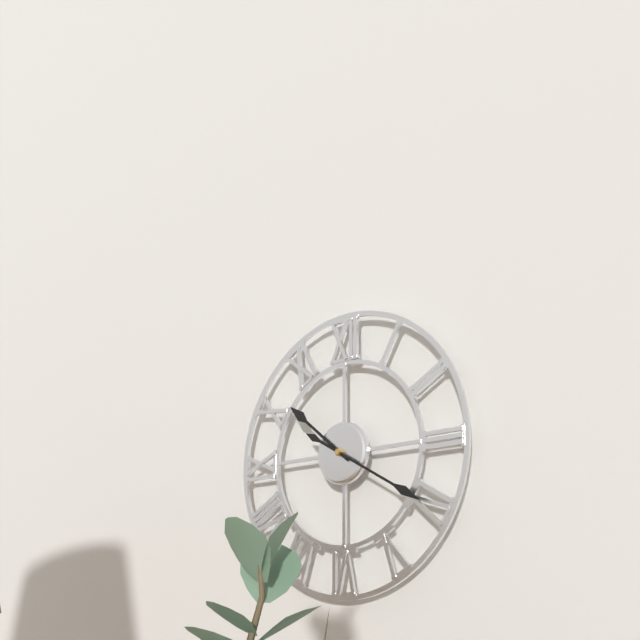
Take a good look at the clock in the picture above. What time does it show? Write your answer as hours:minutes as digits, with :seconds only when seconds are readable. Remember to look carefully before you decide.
10:20
